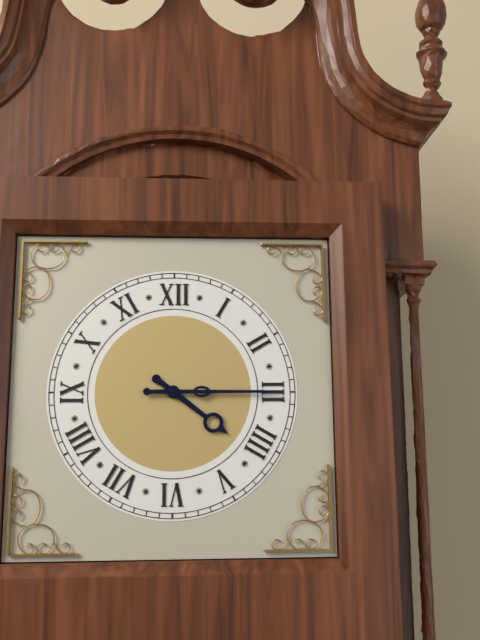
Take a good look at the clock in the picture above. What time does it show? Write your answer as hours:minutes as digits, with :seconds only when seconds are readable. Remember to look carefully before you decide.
4:15
